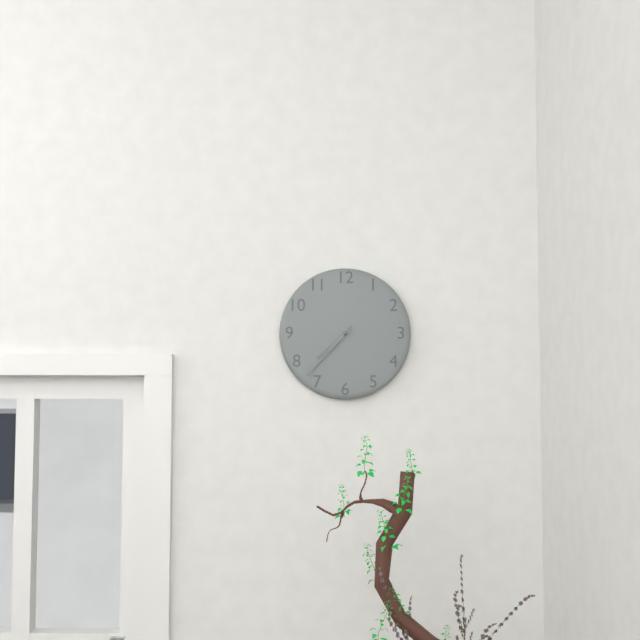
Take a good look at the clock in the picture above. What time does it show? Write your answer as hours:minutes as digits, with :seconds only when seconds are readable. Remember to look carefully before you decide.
7:37
